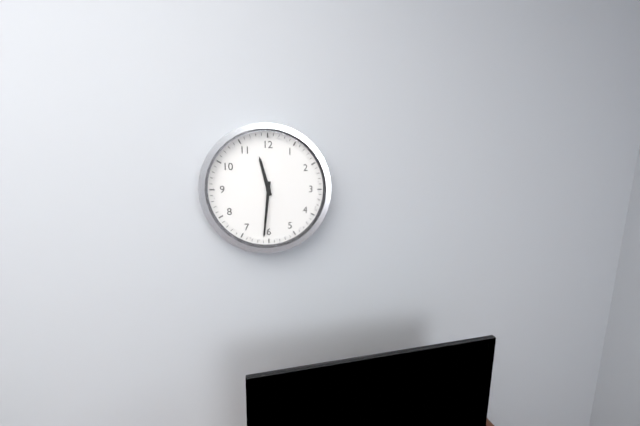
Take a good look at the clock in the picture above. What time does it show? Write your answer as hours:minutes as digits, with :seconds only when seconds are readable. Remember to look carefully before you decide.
11:31
